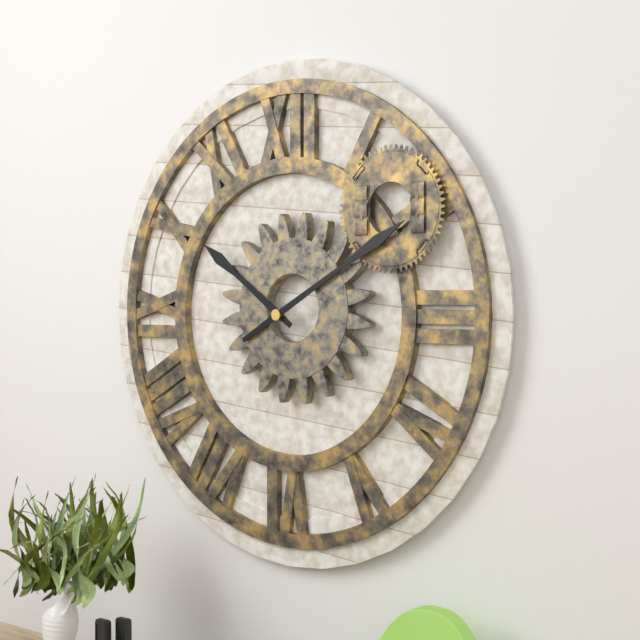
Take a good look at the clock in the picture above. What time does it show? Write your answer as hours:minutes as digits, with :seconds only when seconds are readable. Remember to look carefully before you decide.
10:10
